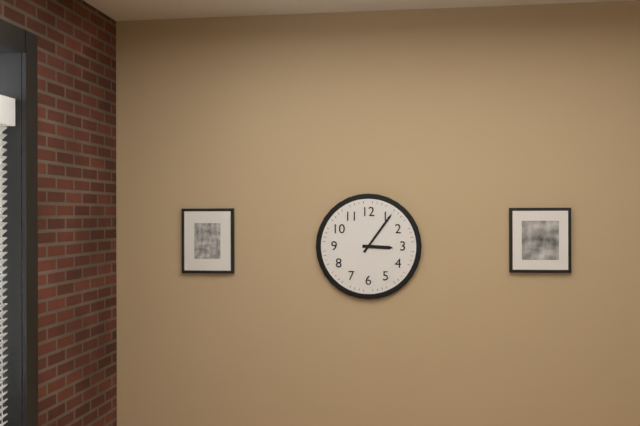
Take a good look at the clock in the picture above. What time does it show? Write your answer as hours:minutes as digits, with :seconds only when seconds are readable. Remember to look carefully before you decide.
3:06
